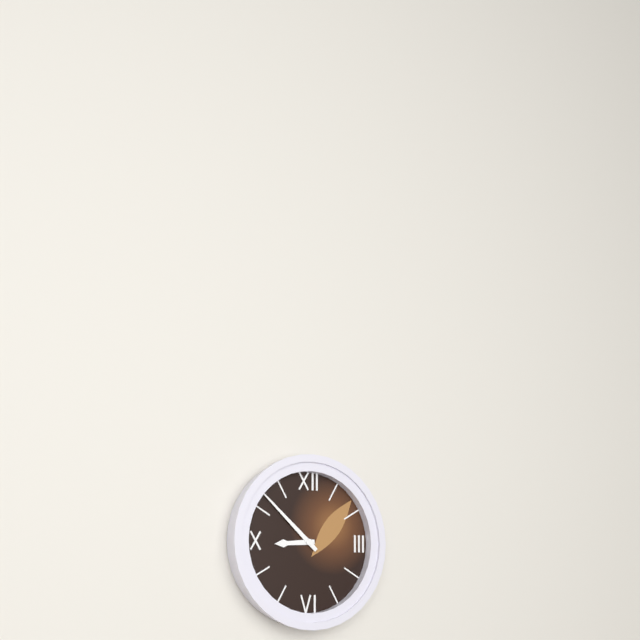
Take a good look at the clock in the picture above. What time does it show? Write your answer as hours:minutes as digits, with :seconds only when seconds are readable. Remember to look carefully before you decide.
8:52
